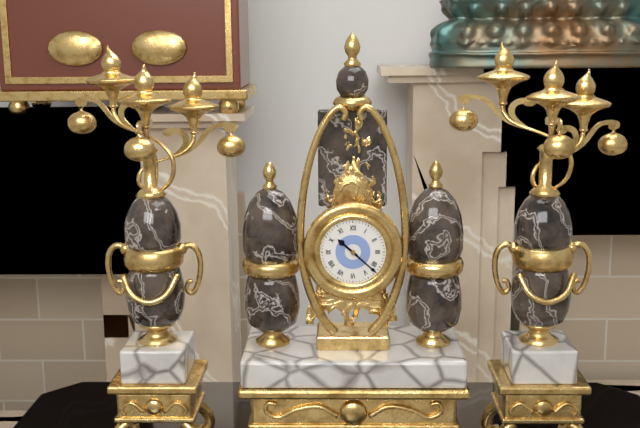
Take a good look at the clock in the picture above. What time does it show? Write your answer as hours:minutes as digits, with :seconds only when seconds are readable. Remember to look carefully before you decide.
10:22
